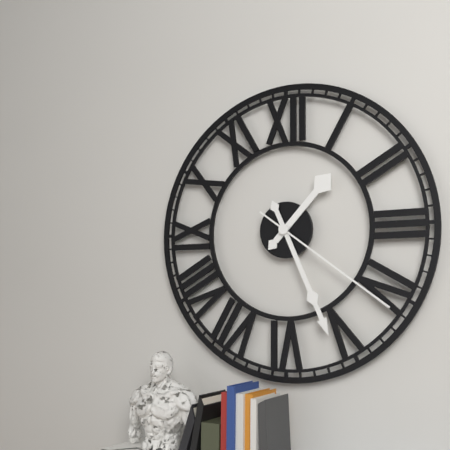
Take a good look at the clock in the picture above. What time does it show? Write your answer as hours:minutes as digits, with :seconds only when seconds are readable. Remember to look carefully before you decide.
1:26:21
